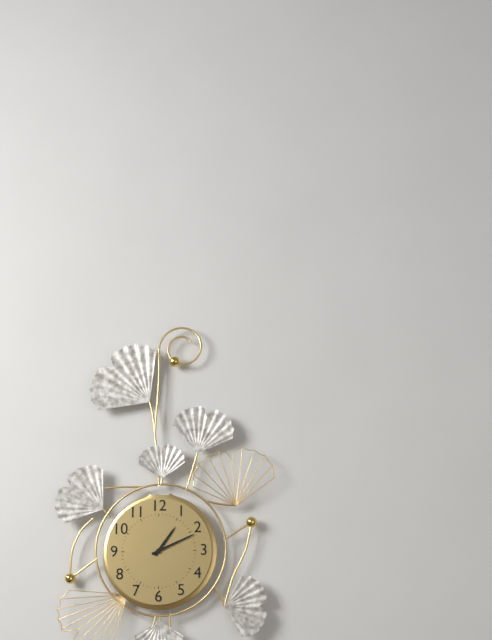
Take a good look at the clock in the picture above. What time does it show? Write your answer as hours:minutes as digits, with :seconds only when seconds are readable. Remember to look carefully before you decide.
1:11
